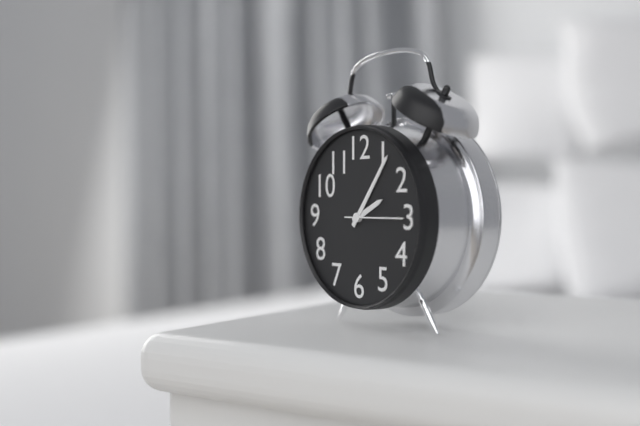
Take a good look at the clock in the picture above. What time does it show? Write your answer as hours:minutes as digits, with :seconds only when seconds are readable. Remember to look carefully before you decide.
2:06:15
